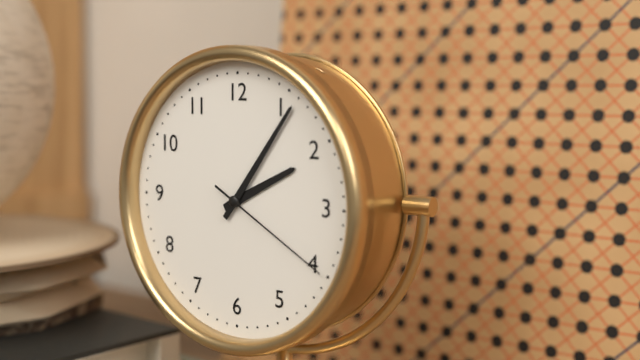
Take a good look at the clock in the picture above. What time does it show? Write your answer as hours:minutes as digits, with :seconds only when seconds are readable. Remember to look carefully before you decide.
2:06:20
